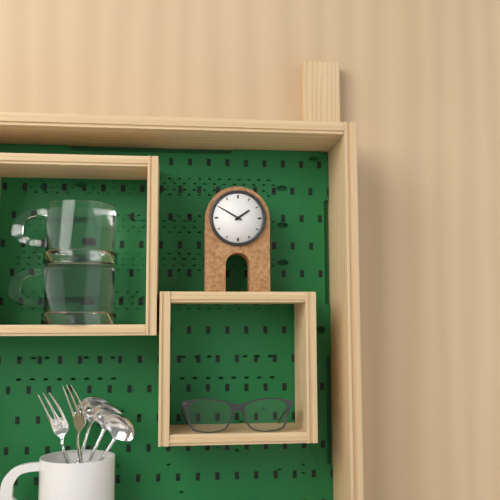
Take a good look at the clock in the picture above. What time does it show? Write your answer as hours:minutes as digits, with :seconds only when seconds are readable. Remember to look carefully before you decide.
1:50
